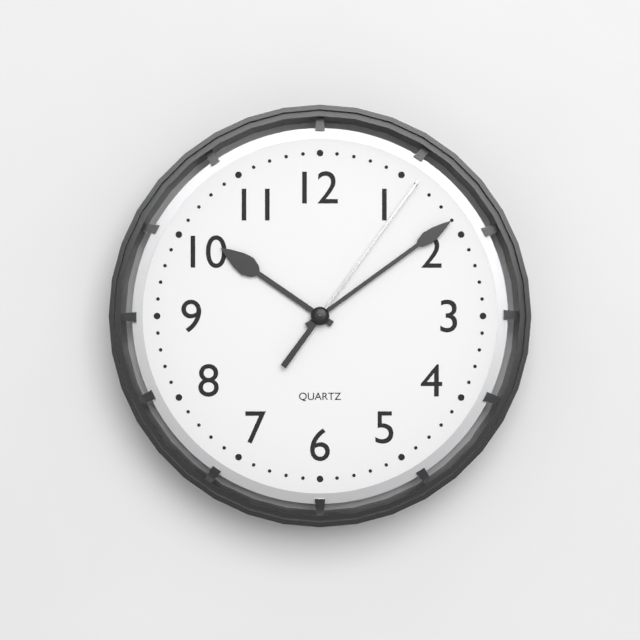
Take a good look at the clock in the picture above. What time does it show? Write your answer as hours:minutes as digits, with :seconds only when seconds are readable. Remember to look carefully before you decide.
10:09:06
